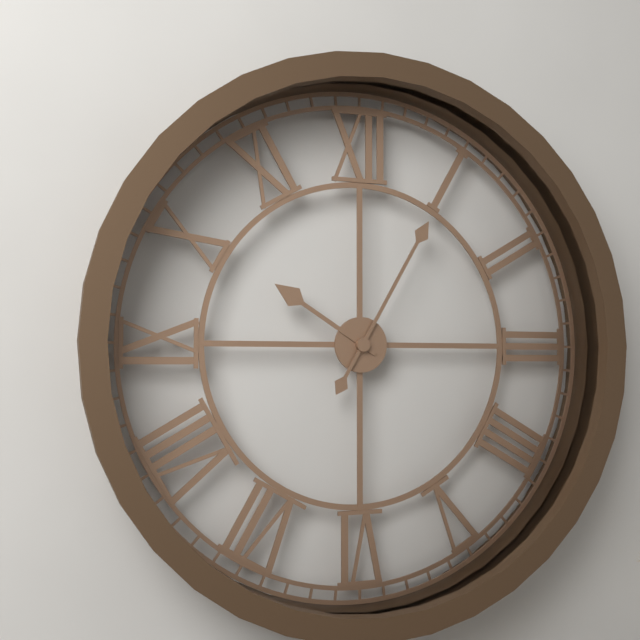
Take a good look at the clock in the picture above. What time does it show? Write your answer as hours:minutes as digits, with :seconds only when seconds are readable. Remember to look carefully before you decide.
10:05
